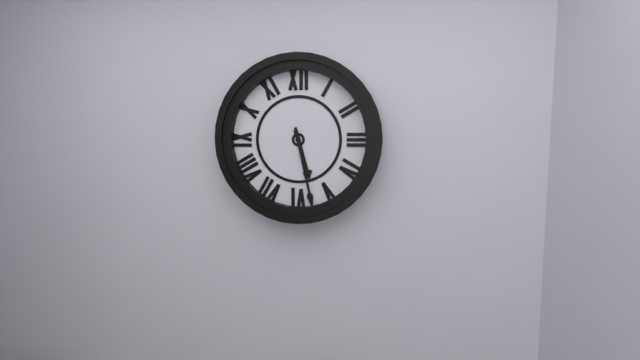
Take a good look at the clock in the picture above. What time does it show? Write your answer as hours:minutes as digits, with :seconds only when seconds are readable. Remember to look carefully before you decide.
5:28
